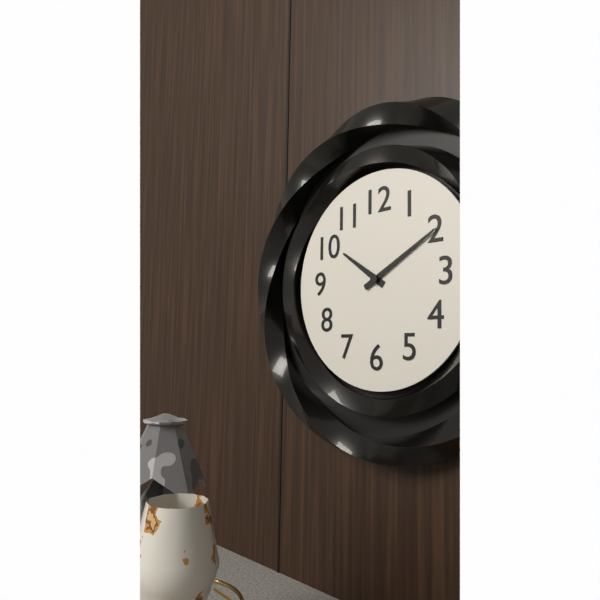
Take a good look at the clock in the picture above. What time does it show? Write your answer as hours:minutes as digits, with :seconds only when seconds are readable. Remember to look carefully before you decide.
10:10
